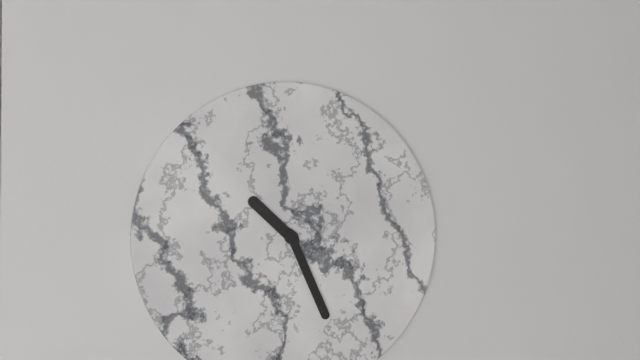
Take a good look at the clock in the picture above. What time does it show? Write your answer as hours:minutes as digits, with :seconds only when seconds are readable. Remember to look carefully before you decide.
10:26
